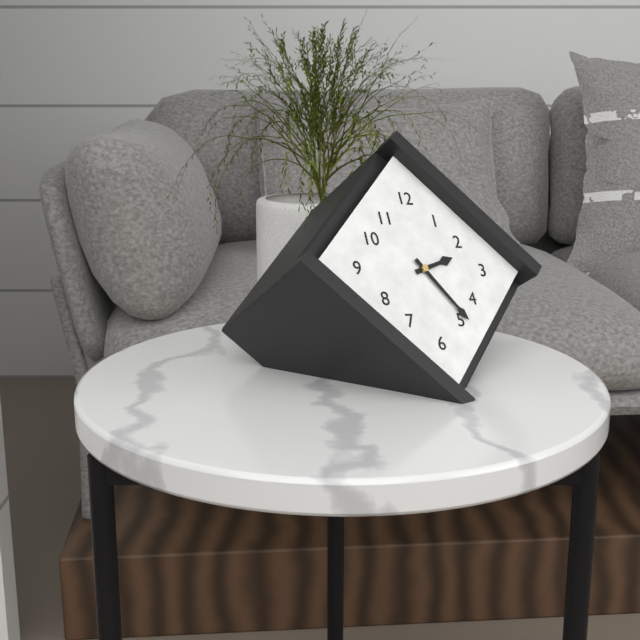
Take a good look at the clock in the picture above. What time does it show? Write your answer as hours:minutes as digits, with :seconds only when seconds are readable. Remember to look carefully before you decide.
2:24
